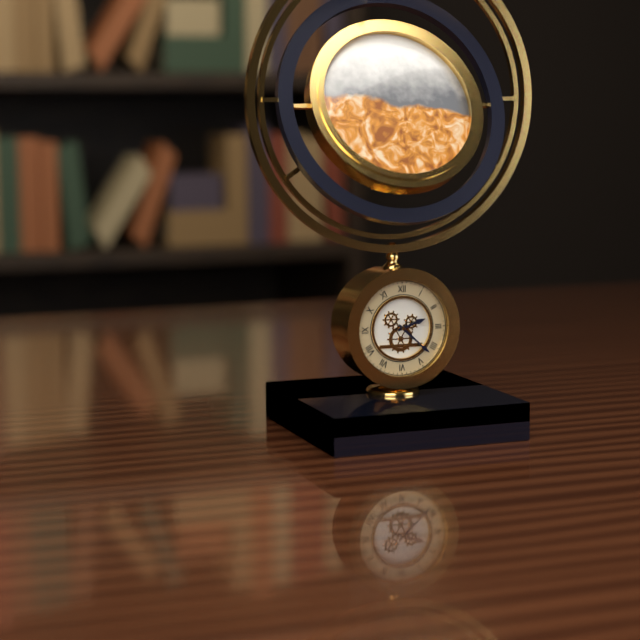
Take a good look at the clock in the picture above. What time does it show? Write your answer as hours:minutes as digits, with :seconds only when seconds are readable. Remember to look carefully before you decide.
2:22
